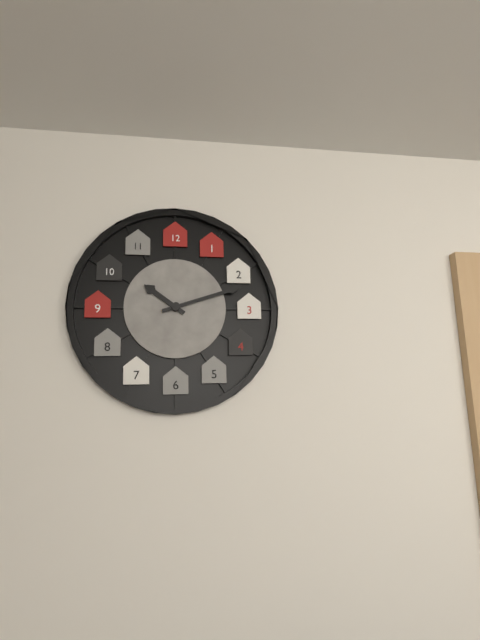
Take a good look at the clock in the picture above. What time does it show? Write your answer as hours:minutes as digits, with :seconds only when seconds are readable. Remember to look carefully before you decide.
10:12
